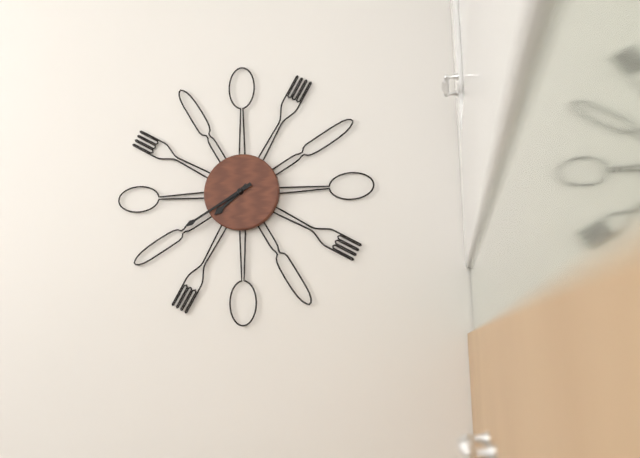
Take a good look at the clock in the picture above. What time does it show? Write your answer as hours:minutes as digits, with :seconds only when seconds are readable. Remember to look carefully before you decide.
7:40
